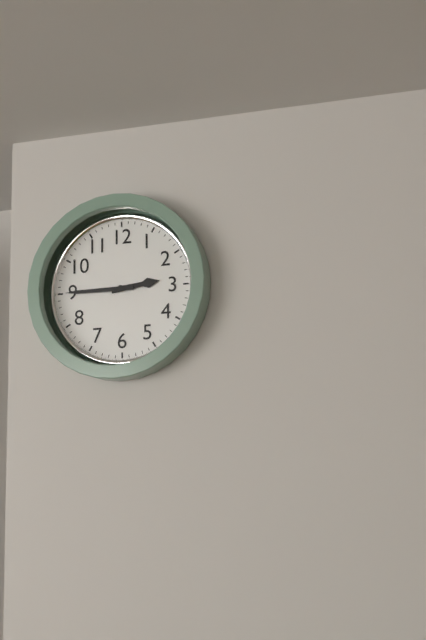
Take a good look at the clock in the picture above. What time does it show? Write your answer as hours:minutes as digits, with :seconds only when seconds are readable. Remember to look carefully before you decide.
2:45
